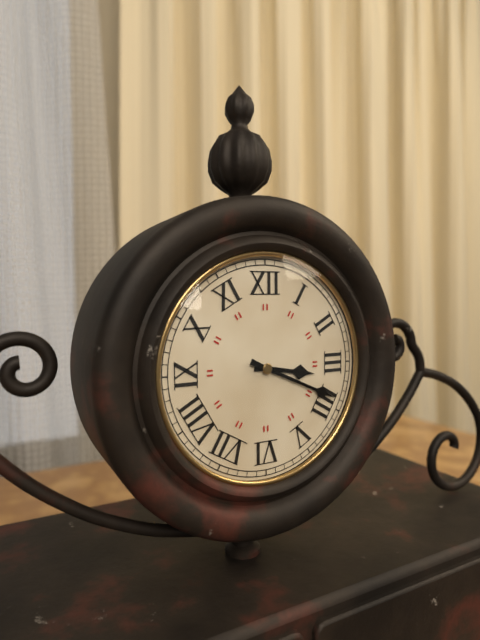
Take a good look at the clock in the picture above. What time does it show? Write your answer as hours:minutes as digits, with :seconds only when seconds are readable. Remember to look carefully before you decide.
3:19
